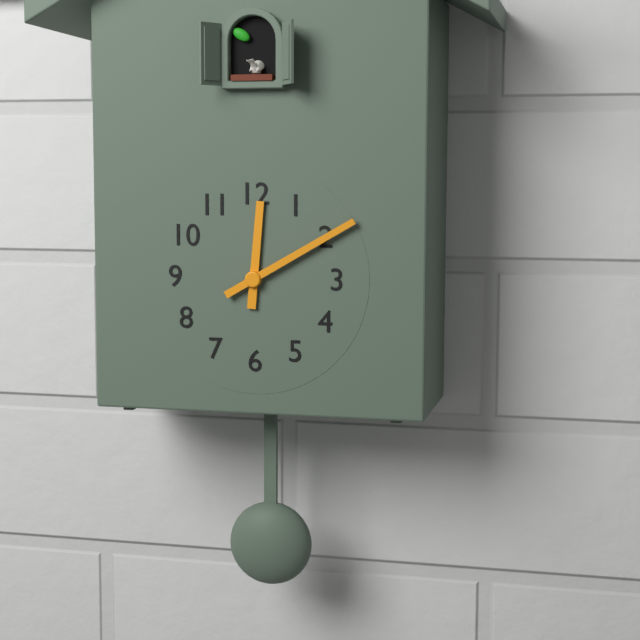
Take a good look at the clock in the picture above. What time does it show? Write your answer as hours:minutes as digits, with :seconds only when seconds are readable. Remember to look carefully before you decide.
12:10
